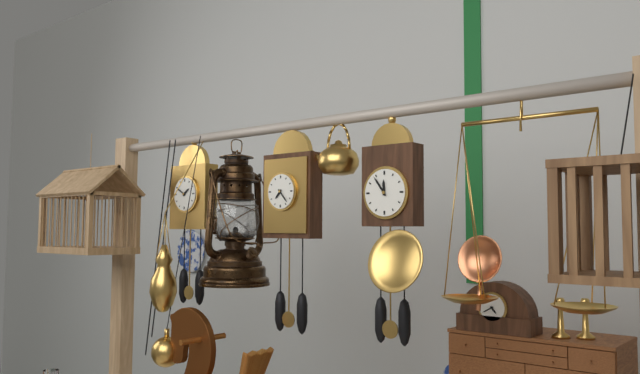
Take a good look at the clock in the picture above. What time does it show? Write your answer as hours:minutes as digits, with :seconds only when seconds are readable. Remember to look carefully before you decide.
11:54
